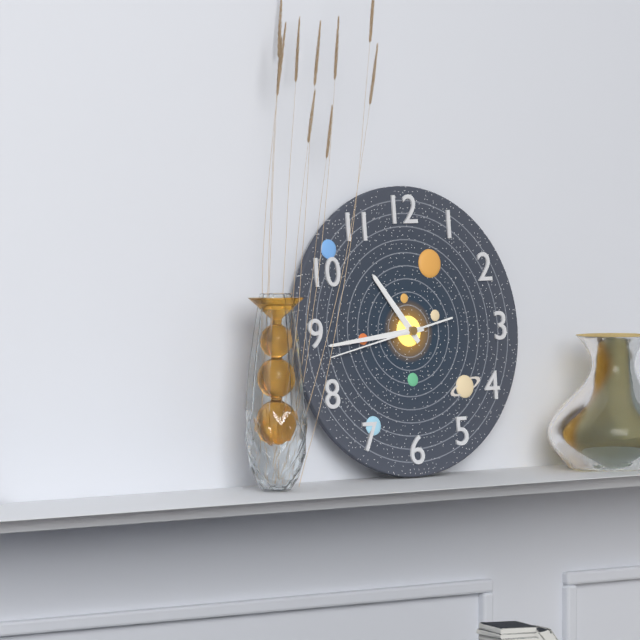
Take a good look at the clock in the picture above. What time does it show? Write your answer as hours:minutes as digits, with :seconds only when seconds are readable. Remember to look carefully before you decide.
10:44:43
